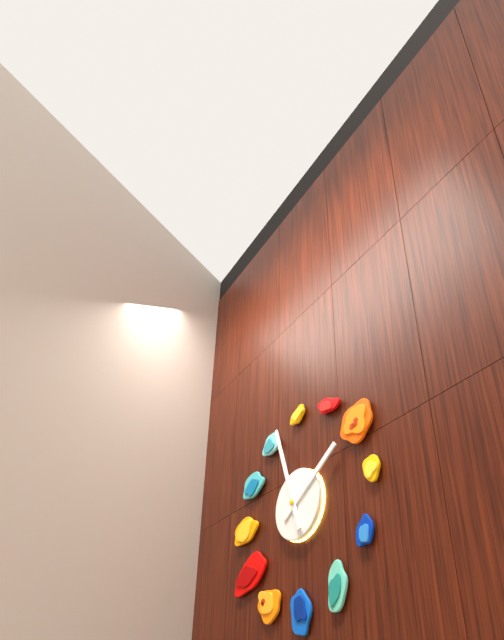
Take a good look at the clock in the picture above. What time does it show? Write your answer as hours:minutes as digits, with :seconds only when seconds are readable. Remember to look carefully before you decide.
1:57
